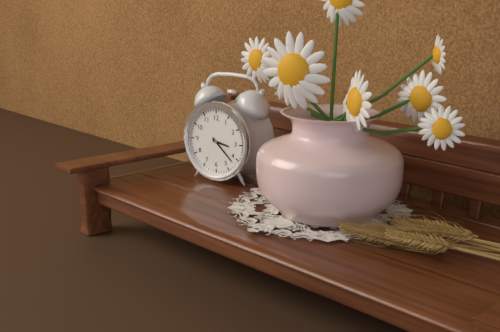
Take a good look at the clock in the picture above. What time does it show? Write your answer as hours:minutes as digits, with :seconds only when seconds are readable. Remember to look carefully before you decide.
3:22
